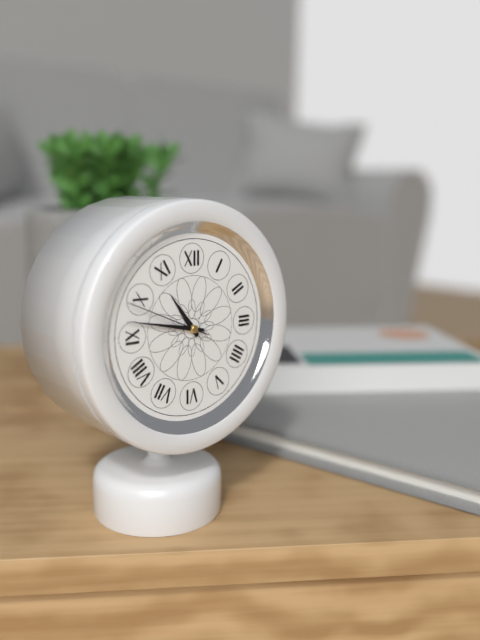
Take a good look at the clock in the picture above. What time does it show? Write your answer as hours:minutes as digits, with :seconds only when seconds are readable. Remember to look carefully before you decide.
10:47:49
